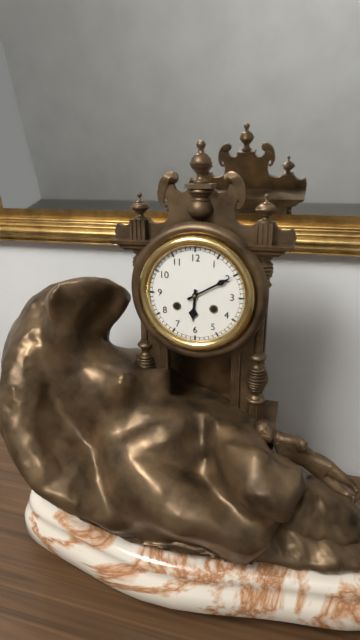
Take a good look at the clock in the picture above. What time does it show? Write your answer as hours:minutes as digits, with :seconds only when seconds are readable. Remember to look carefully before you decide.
6:10
